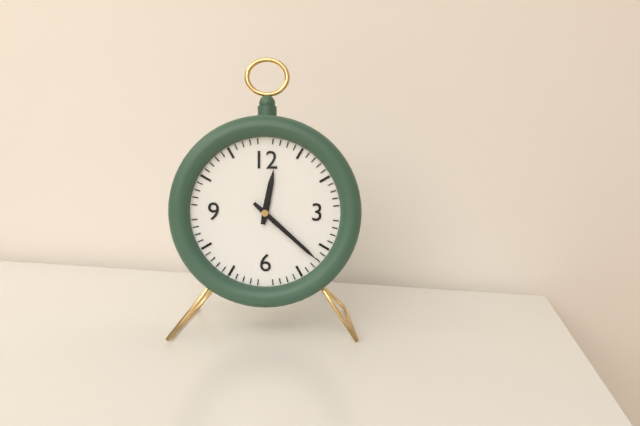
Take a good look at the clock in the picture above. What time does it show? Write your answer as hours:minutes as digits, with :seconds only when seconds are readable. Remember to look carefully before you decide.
12:22
